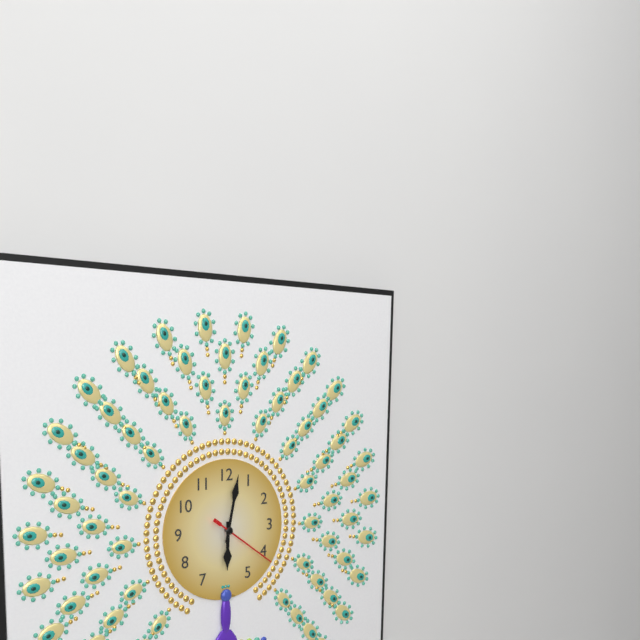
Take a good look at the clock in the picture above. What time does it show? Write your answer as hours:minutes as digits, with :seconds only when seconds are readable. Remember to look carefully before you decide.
6:02:21
